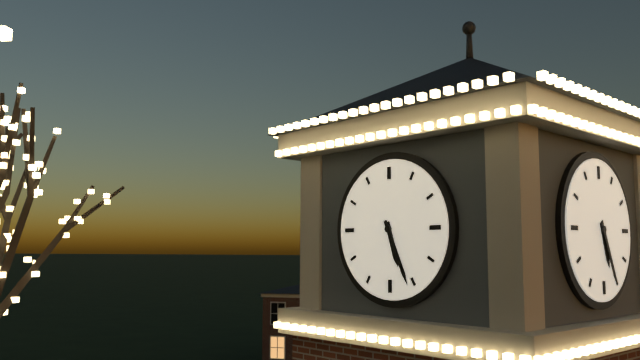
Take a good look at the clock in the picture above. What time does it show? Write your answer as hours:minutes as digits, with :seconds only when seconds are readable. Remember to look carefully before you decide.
5:26
